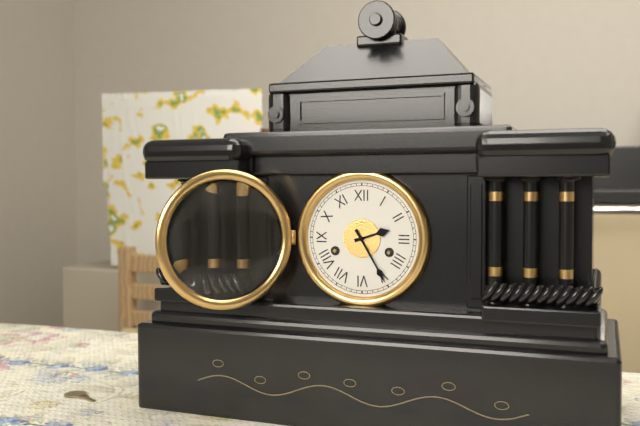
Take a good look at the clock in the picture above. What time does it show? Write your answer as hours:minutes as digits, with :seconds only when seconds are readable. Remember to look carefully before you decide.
2:25
